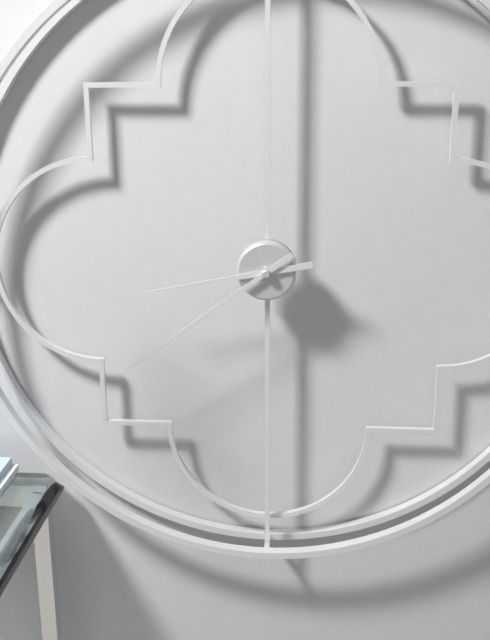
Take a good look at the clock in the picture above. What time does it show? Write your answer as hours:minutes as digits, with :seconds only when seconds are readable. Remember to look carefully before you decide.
8:39
